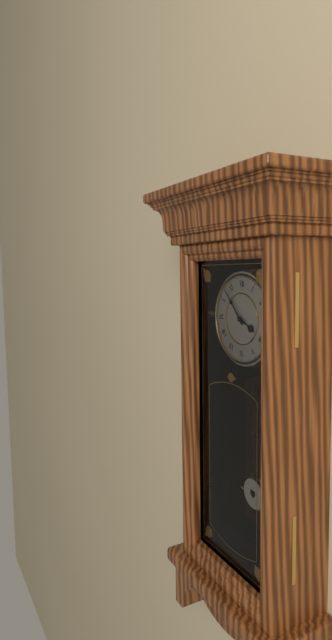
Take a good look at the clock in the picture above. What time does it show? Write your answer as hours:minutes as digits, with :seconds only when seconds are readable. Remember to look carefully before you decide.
3:53
